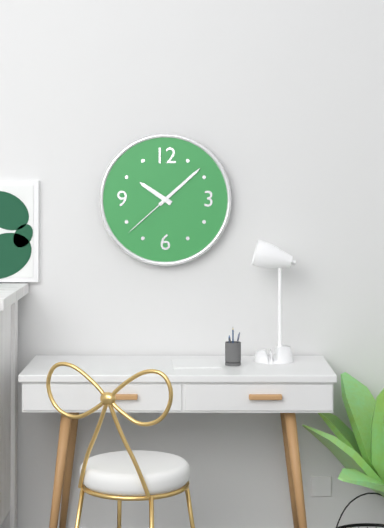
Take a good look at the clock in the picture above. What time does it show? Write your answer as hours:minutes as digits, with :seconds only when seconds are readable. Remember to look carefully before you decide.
10:08:38
